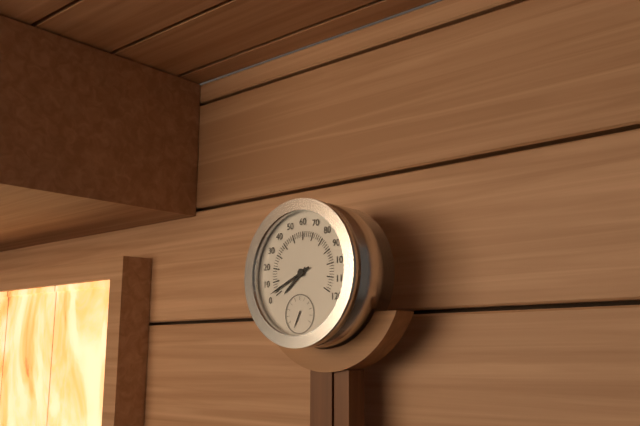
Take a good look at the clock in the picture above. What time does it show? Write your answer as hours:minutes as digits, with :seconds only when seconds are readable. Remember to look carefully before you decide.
7:41
